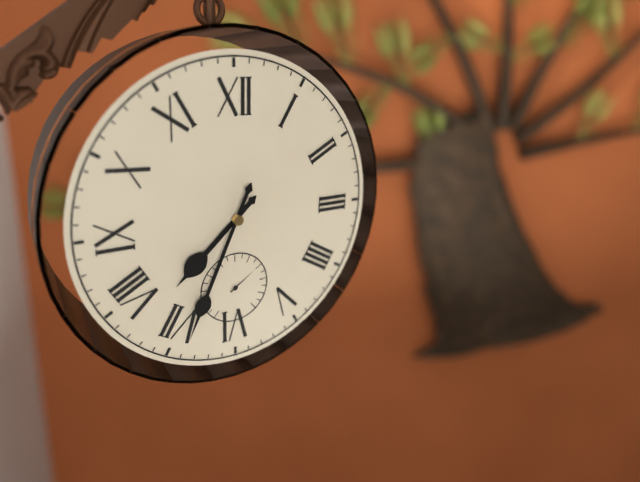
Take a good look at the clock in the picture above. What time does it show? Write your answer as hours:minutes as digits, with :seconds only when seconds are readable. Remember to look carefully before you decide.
7:34
